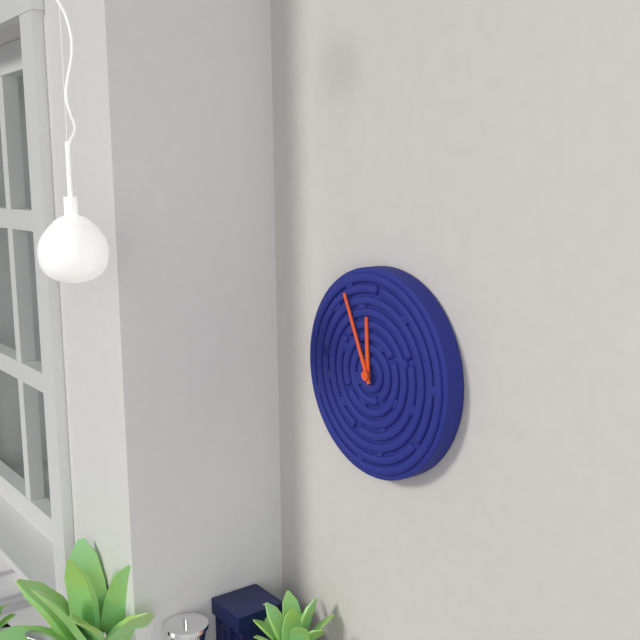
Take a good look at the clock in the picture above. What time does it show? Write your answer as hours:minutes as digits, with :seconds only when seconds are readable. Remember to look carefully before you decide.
11:56
